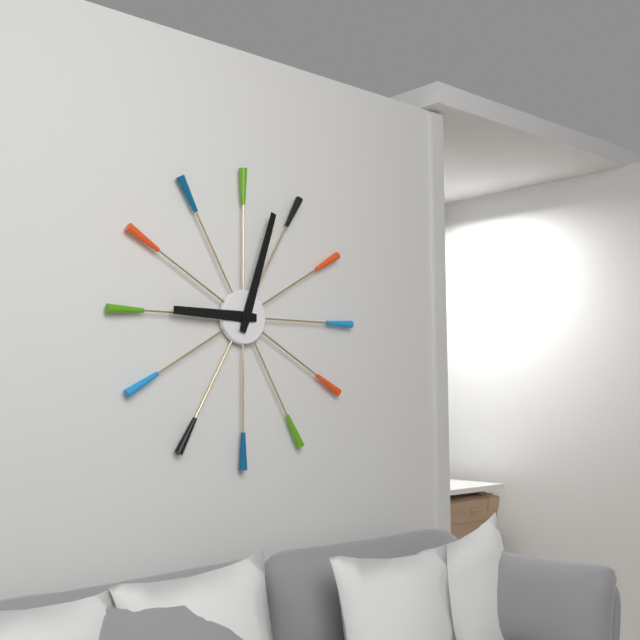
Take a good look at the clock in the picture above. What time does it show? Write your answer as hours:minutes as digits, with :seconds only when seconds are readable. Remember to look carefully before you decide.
9:03
